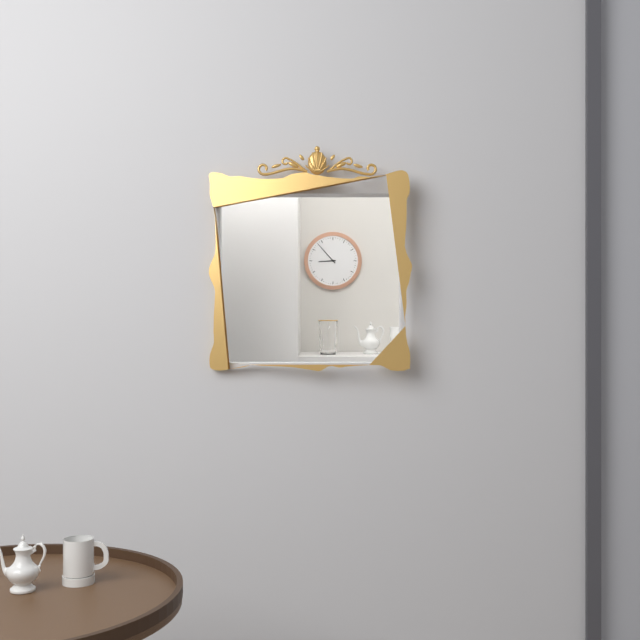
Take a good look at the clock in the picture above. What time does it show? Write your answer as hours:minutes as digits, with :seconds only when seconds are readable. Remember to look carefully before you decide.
8:53
